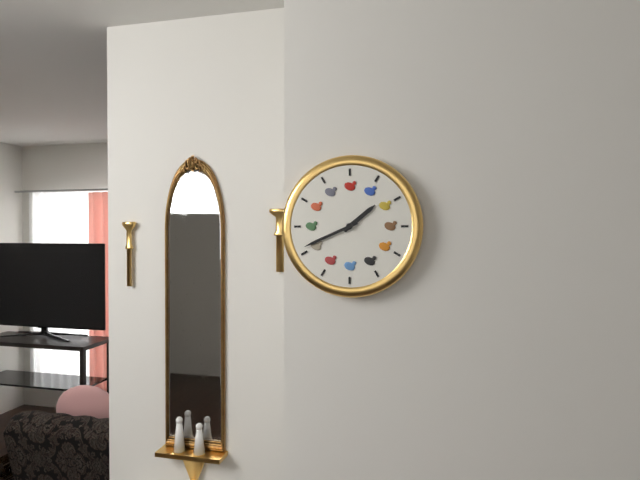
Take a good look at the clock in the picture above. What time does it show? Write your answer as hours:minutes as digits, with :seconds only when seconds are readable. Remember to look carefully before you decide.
1:41
